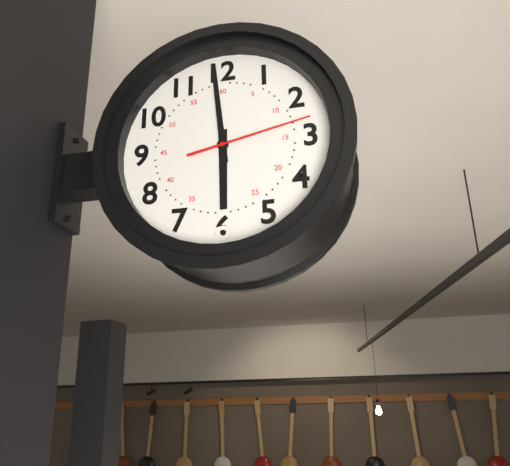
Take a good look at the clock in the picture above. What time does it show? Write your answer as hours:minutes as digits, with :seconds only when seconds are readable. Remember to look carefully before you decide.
5:59:13
